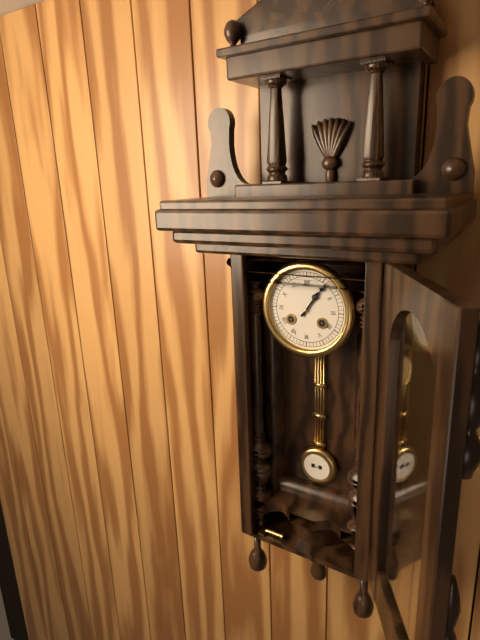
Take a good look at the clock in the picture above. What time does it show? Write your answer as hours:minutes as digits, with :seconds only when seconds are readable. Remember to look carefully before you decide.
1:06
